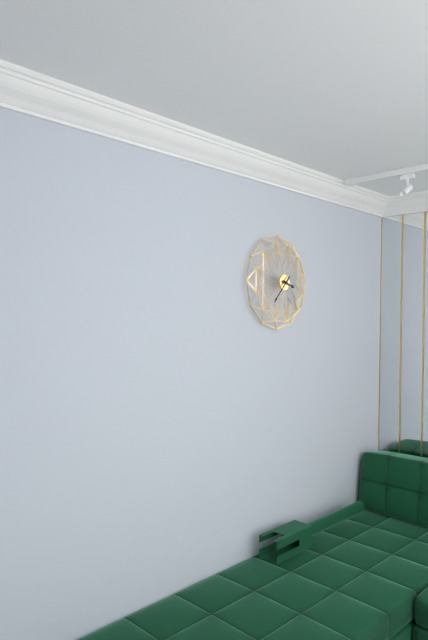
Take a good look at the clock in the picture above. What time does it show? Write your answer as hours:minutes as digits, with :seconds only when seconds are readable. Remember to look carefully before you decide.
3:37
